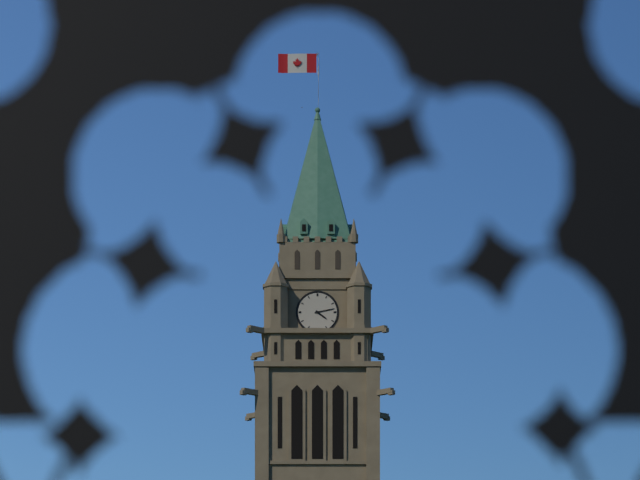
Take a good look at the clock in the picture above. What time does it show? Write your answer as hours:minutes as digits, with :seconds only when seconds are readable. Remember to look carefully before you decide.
4:13
